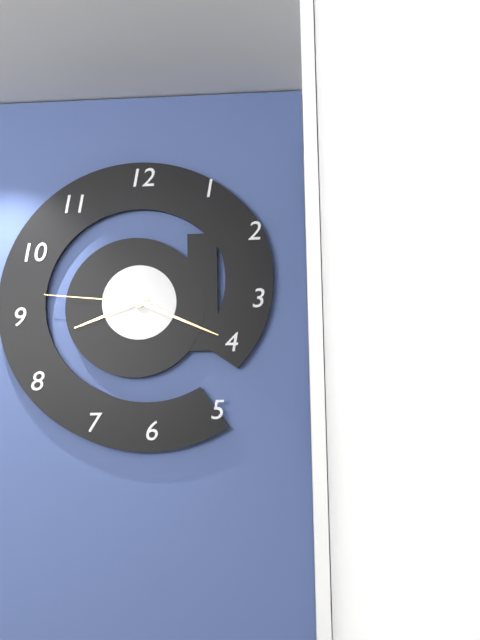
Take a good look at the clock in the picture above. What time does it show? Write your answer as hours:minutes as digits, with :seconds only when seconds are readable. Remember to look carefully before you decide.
8:19:46
